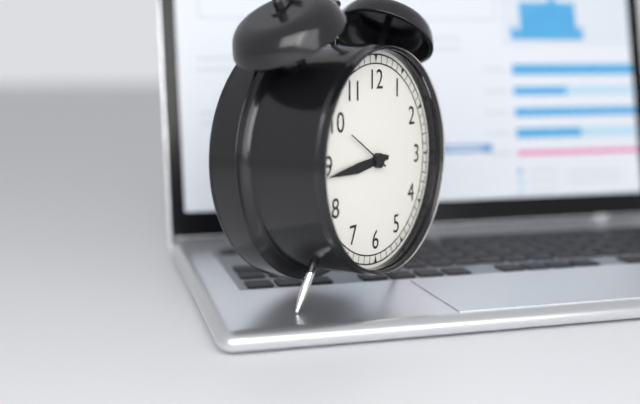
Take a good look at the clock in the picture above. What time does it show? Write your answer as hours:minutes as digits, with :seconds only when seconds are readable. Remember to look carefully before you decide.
8:44
